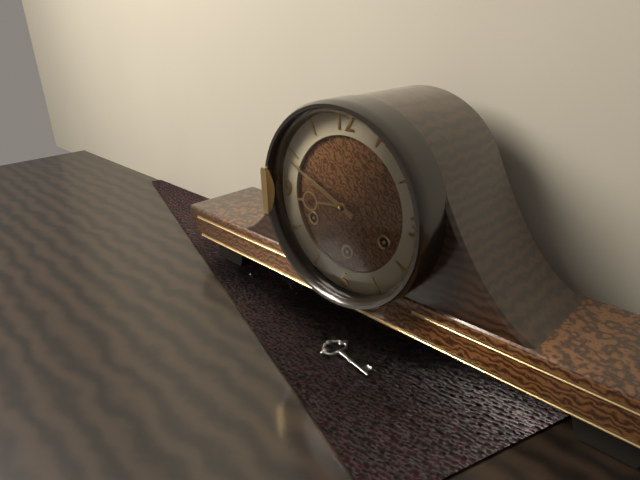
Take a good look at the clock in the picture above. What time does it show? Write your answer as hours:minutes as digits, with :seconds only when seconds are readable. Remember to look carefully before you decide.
8:49
